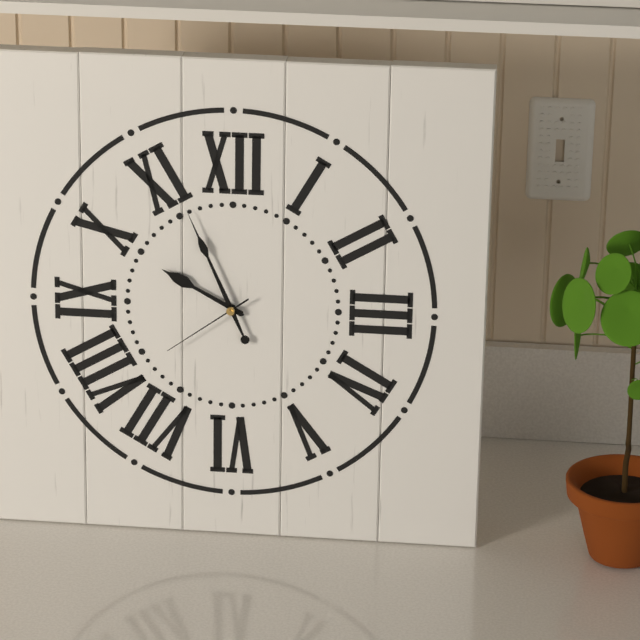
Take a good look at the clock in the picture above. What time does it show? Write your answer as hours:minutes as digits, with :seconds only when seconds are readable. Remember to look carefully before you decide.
9:56:39
